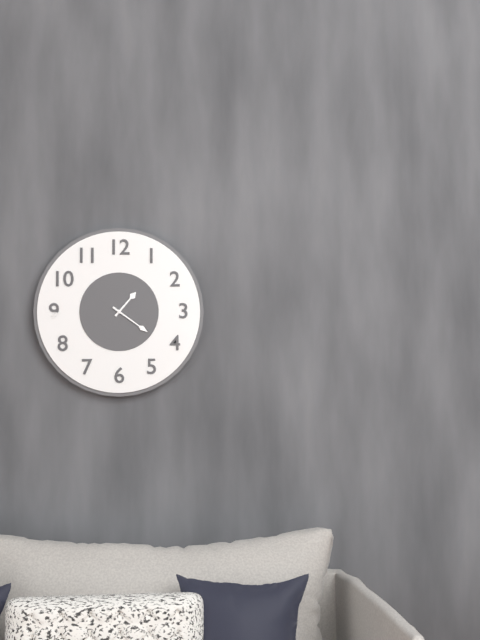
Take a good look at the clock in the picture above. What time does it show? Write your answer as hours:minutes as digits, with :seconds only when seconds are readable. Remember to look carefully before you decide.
1:21
